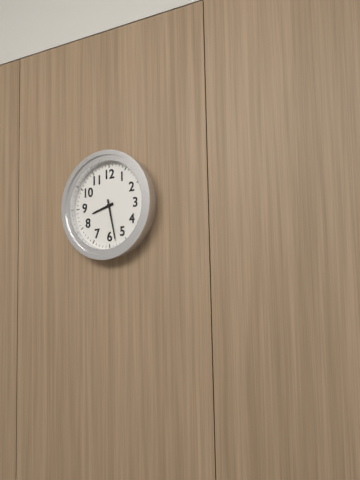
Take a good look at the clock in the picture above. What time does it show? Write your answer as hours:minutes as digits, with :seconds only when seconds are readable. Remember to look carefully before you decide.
8:28
